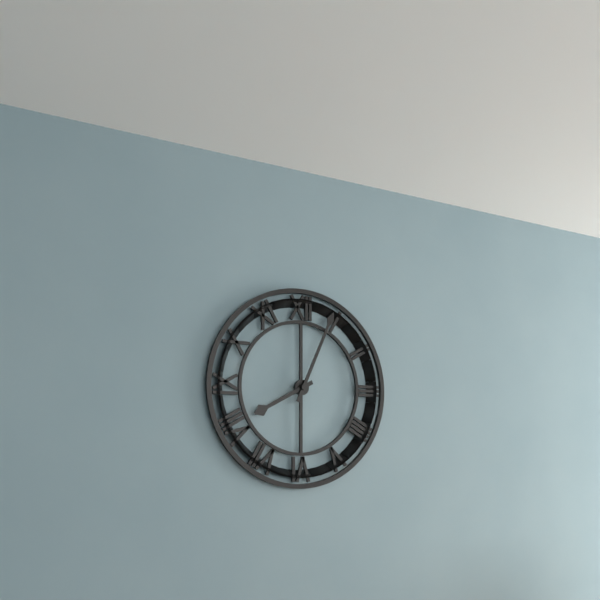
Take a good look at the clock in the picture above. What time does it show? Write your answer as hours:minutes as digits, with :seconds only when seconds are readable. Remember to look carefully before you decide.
8:04
